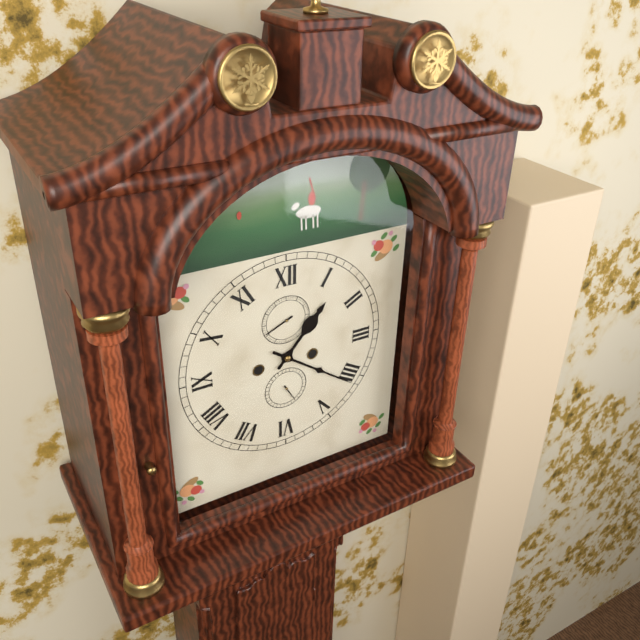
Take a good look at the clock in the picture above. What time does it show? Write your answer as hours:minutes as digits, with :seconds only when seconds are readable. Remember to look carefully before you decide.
1:21
